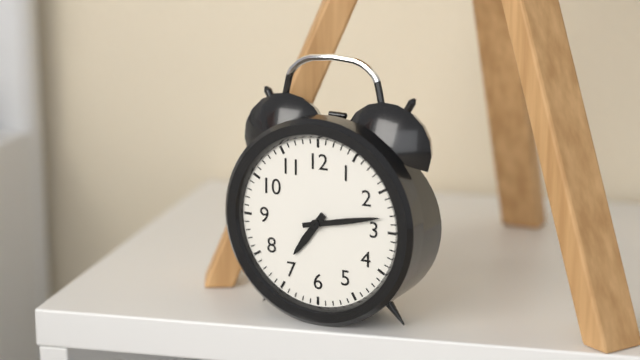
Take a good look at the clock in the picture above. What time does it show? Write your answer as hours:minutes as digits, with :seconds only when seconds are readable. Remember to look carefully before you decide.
7:13
